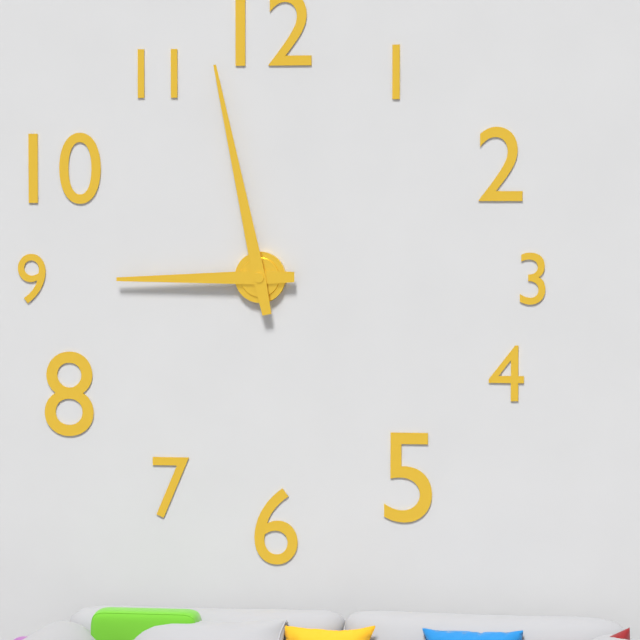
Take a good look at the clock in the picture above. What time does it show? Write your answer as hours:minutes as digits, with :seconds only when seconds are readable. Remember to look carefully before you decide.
8:58
